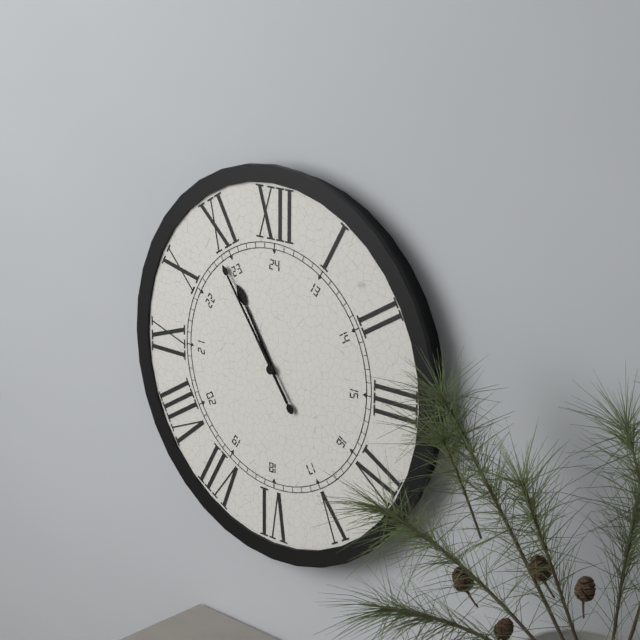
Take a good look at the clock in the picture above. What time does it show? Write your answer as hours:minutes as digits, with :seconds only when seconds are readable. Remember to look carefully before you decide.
10:54
